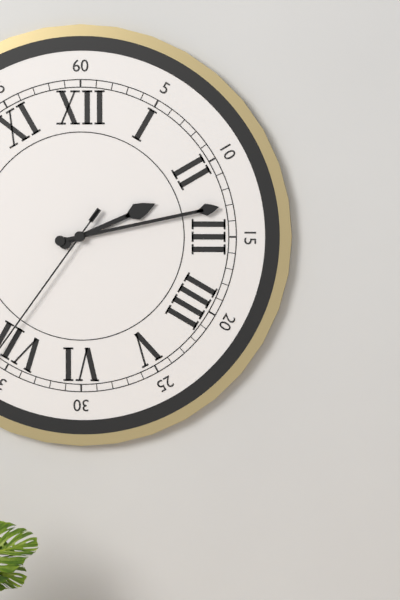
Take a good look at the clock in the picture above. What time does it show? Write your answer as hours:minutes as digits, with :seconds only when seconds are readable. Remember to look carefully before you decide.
2:13
